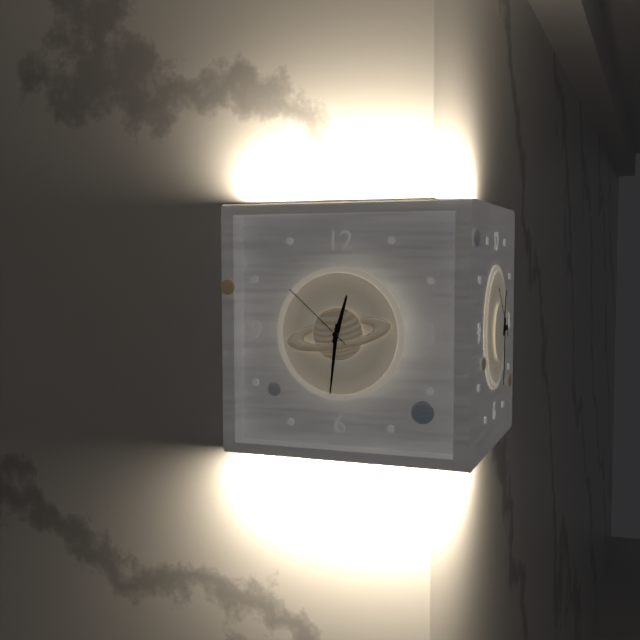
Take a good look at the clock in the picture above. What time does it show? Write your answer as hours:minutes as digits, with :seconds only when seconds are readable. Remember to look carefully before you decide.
12:31:52
